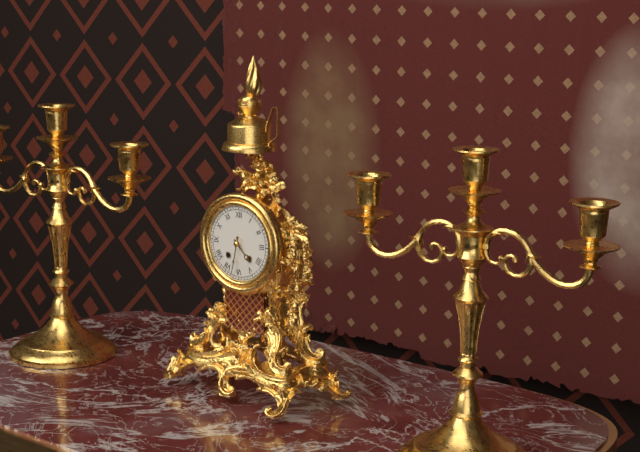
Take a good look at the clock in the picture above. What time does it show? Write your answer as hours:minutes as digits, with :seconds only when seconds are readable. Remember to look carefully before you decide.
4:32
